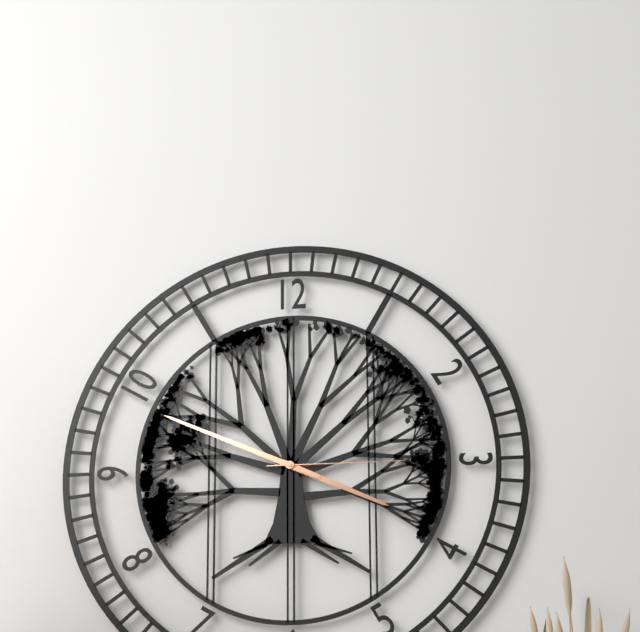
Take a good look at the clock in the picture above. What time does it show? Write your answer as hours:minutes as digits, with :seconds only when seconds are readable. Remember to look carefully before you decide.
3:49:15
